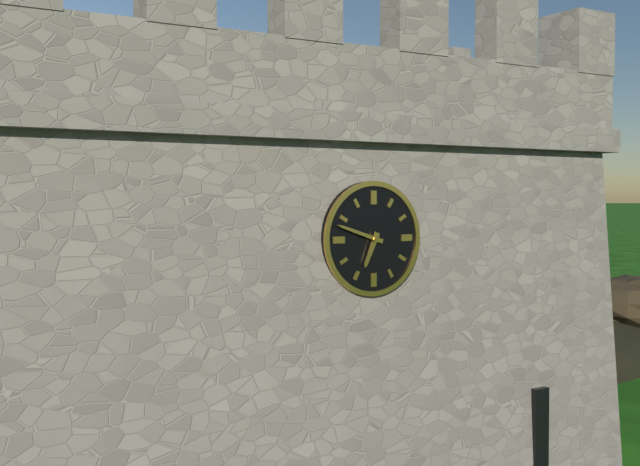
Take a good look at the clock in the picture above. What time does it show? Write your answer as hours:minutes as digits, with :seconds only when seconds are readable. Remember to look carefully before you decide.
6:48
